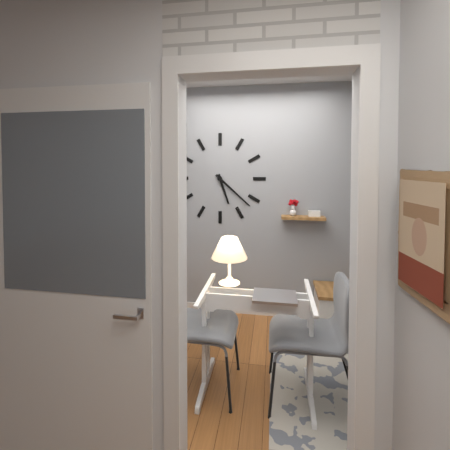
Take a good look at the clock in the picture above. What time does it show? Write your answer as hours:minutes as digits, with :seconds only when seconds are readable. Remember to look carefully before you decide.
5:22
